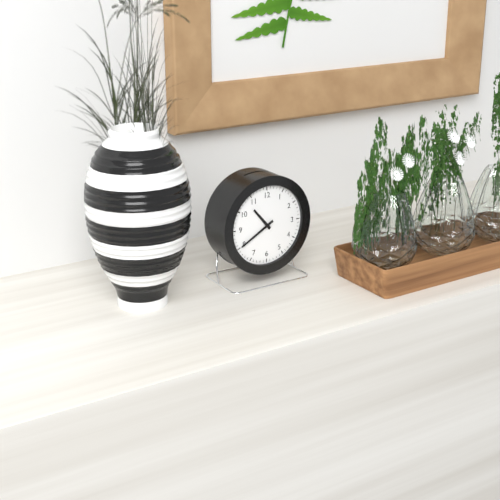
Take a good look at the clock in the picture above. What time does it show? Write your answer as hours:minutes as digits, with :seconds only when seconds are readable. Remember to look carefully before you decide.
10:40
